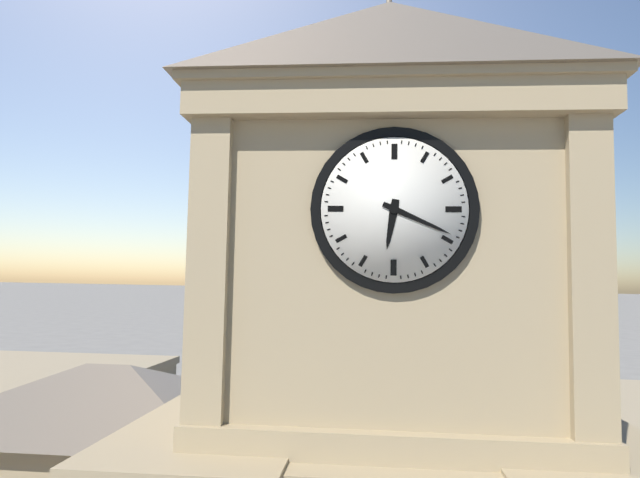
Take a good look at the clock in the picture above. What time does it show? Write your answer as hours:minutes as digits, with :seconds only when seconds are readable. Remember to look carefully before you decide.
6:19
